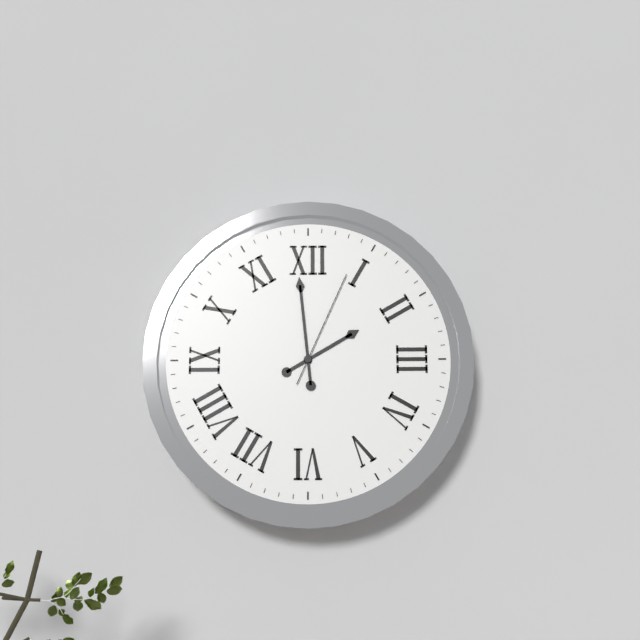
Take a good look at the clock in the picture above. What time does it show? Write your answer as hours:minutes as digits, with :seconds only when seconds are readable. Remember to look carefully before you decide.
1:59:04
